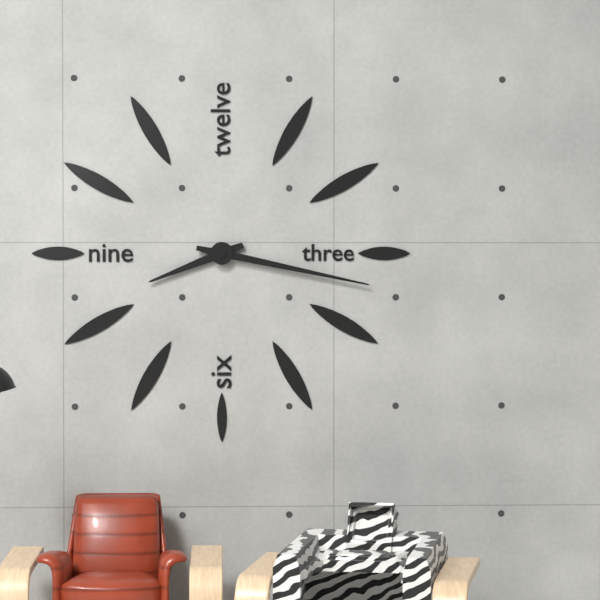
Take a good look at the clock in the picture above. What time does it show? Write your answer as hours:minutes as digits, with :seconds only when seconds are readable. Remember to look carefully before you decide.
8:17
